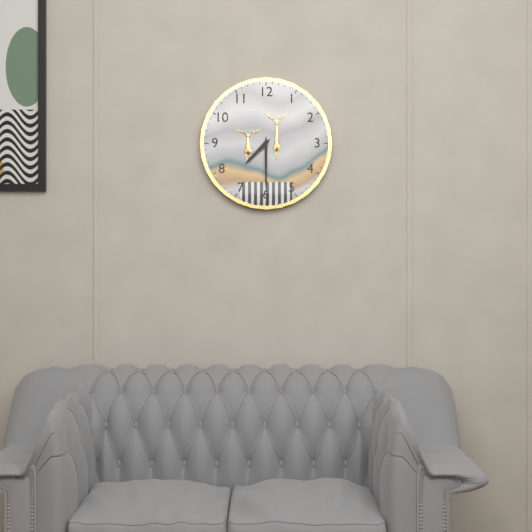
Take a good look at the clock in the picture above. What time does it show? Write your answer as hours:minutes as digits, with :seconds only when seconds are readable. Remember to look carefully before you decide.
7:30
